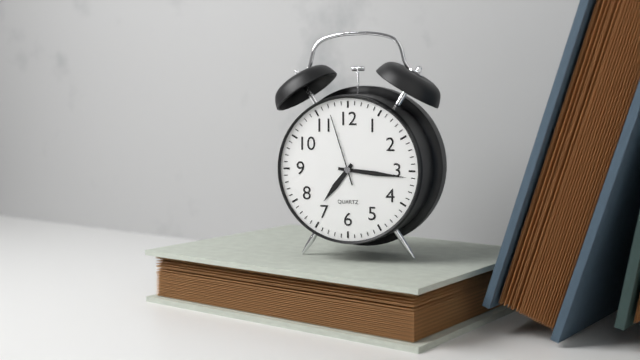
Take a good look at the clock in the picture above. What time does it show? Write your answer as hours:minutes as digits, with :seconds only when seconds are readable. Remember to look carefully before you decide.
7:16:57
